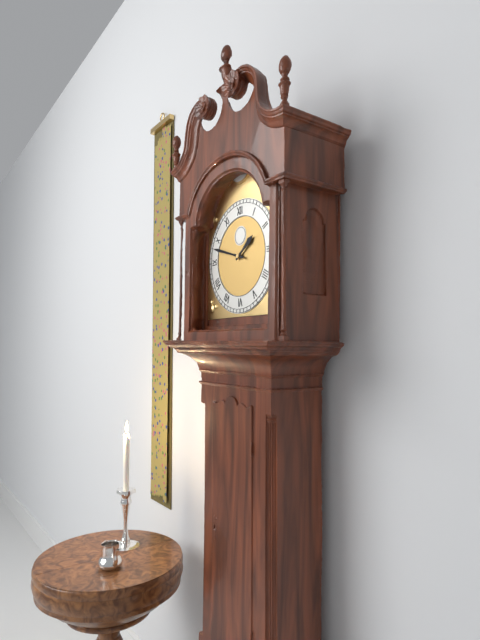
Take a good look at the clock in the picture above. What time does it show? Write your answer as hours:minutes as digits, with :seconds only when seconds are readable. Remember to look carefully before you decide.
1:48
